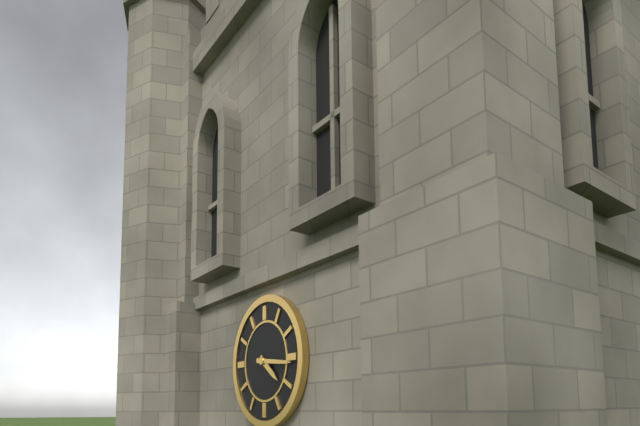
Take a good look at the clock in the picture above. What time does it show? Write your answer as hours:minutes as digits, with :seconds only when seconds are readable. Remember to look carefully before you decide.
4:16
